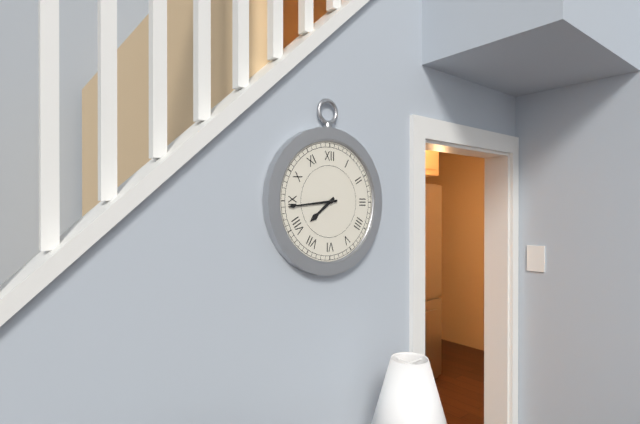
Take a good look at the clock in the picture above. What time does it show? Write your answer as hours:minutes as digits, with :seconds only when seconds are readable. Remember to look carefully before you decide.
7:44
